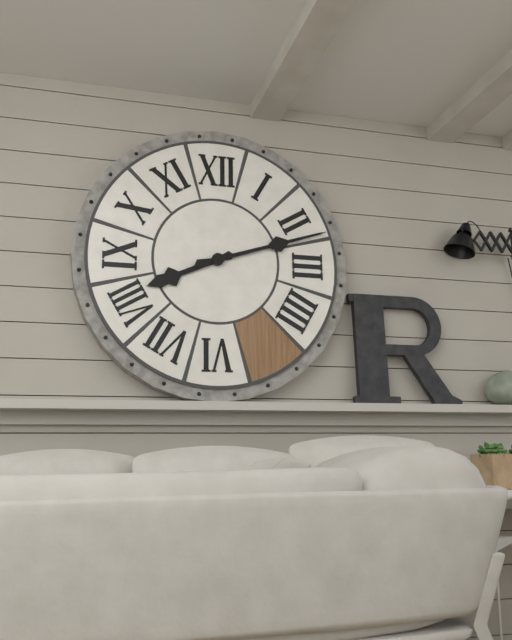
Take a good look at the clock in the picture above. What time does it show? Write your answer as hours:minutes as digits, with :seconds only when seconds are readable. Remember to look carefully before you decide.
8:12
